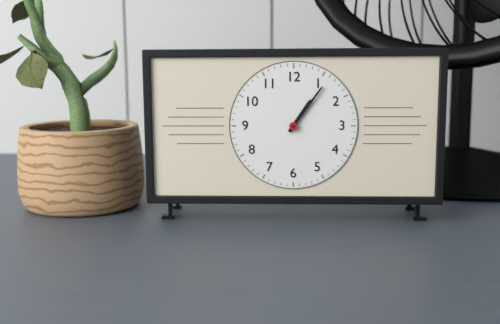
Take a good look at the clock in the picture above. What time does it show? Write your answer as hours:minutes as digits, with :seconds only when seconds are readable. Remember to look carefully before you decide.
1:06
